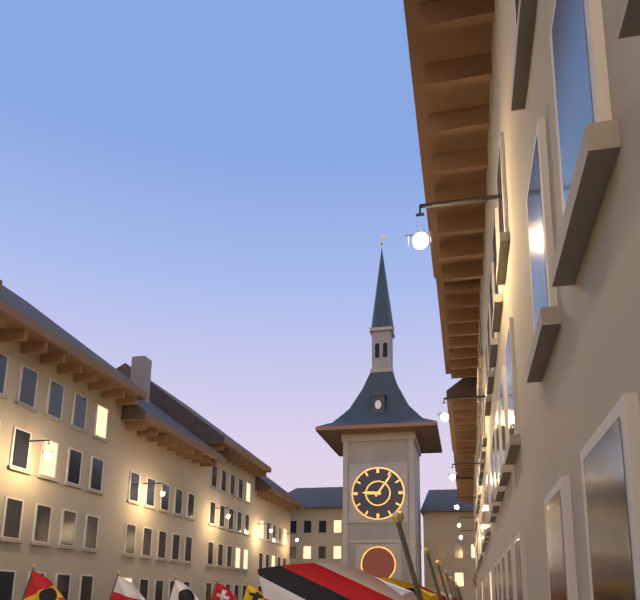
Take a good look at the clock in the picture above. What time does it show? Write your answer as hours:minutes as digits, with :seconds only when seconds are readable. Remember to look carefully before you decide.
9:06
